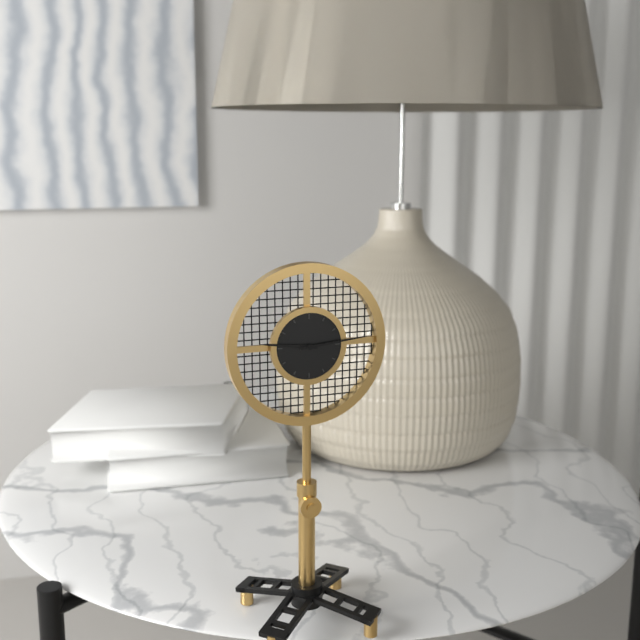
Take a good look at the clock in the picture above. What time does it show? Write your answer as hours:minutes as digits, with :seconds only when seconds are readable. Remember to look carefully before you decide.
9:14
